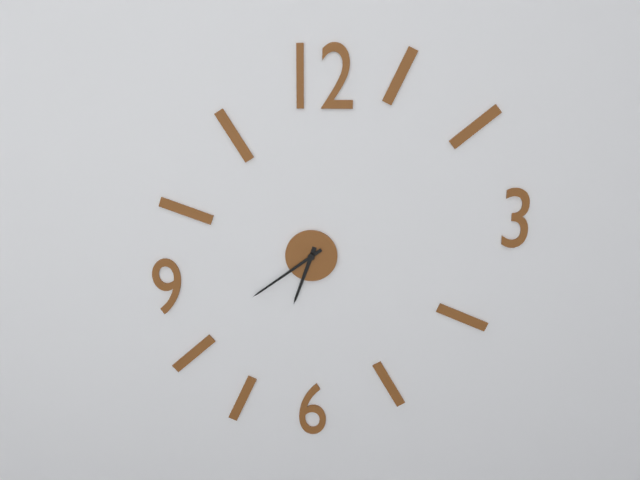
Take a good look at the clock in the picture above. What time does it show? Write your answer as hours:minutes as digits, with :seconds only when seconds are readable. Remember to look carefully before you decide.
6:39
